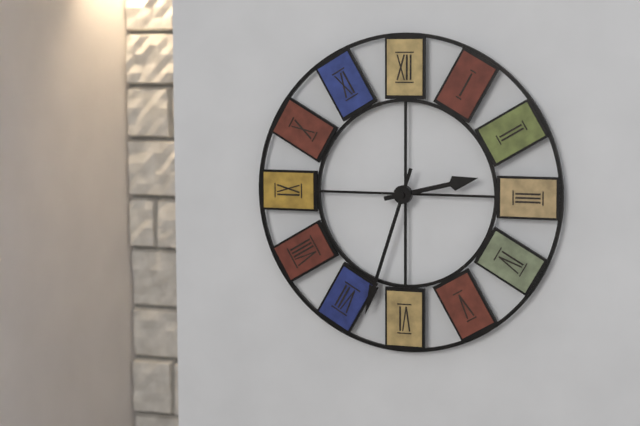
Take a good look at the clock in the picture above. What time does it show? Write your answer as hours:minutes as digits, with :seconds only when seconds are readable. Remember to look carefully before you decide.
2:33
